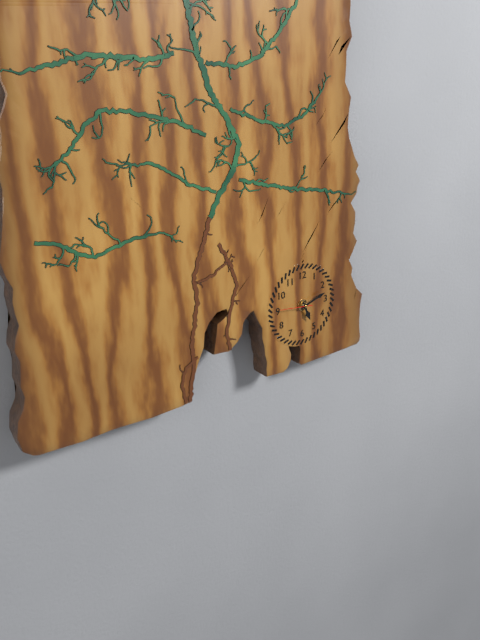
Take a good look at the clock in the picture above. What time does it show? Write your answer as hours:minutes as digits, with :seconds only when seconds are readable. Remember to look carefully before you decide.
5:12
